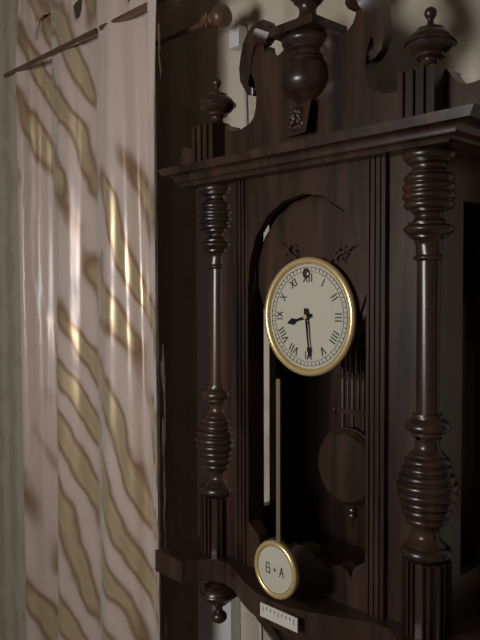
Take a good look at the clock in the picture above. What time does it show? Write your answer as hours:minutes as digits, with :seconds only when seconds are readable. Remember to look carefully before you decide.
8:29
